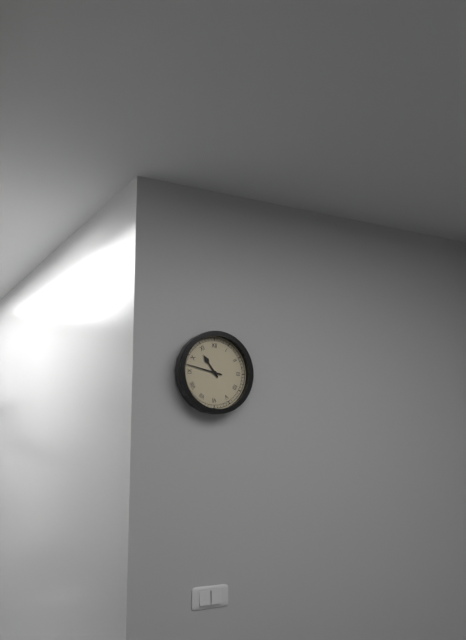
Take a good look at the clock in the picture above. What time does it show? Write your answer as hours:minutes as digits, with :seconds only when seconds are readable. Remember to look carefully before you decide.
10:47
